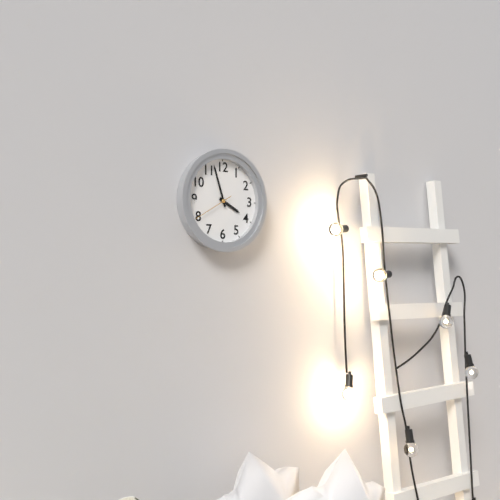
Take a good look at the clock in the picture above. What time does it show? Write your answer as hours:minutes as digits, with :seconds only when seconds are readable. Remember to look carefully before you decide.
3:57
